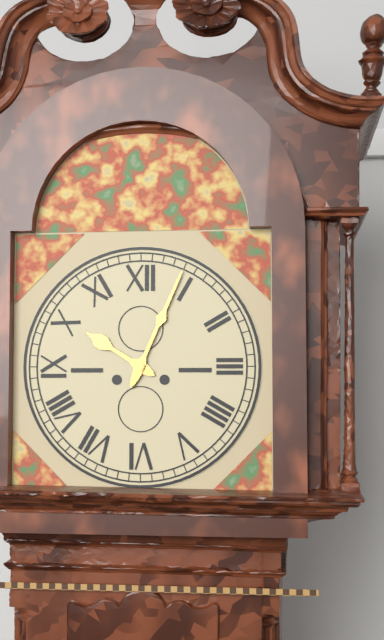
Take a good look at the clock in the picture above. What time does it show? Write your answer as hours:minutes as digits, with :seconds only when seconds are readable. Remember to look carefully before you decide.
10:04
